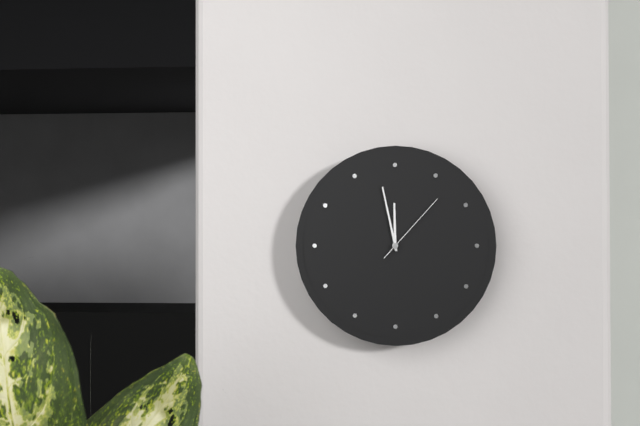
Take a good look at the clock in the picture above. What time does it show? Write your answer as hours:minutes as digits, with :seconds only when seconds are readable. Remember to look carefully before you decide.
11:58:07
